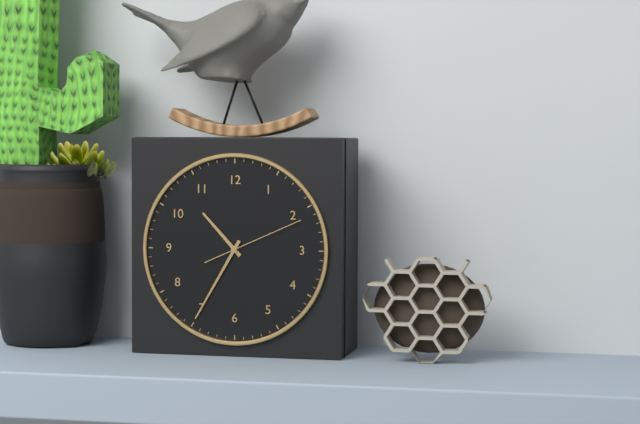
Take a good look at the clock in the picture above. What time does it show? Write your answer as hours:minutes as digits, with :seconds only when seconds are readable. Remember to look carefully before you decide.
10:35:11
